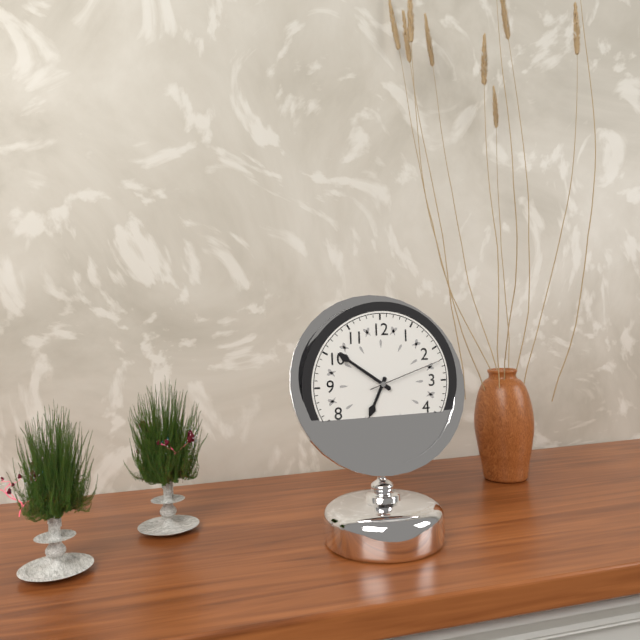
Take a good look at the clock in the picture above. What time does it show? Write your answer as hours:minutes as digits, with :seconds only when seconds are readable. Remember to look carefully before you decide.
6:51:12
